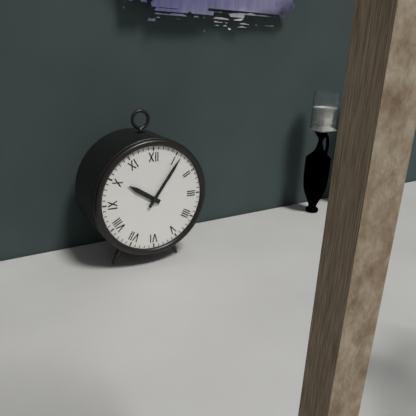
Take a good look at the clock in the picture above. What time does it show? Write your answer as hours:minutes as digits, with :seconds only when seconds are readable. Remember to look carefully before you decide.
10:06
